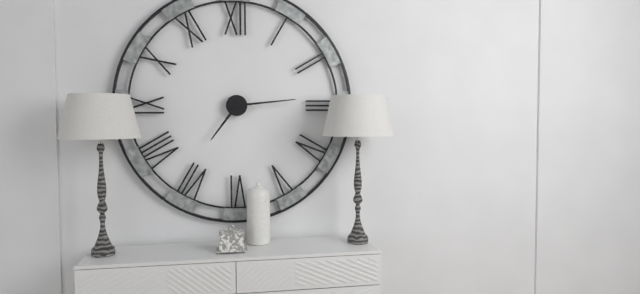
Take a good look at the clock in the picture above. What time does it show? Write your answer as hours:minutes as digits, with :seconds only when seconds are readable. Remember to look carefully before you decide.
7:14
